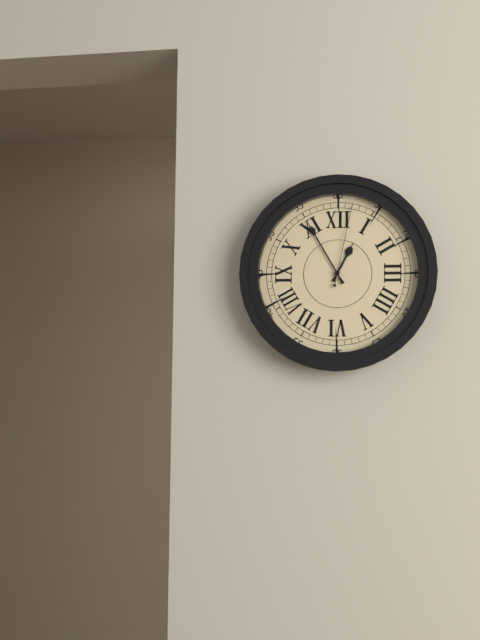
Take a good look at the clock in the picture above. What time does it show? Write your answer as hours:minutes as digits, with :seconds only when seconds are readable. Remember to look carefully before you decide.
12:55:02
